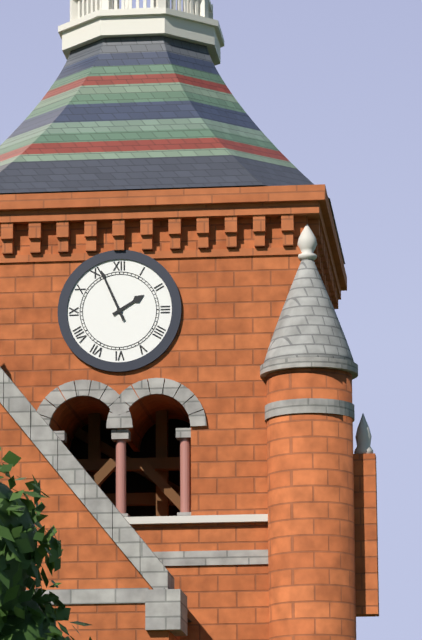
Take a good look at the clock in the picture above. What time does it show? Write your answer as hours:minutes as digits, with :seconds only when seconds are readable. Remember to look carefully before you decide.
1:56
